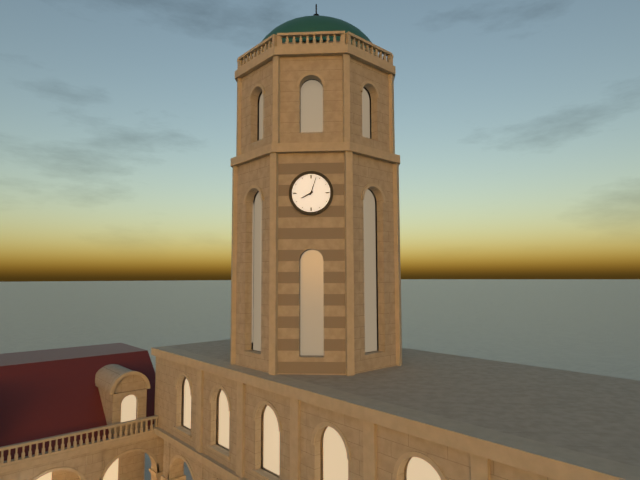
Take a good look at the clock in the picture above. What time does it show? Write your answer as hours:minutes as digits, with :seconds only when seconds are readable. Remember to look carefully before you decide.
8:03
